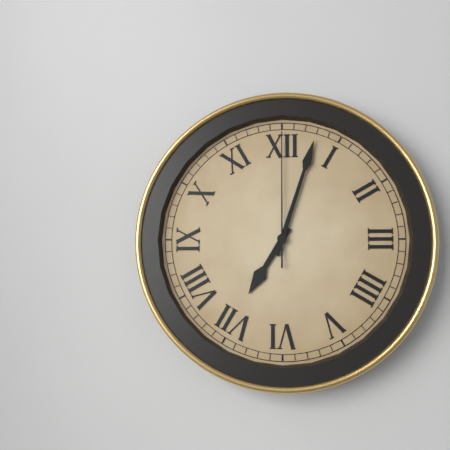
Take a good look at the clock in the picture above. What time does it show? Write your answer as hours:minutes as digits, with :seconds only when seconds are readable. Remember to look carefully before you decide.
7:03:00
